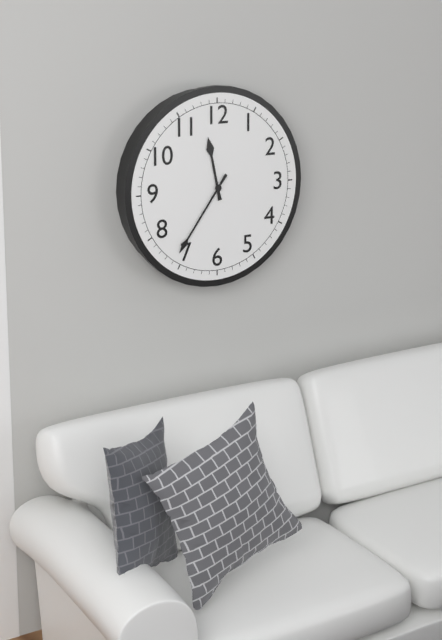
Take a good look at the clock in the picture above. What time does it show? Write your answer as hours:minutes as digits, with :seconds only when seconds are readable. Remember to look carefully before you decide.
11:36
